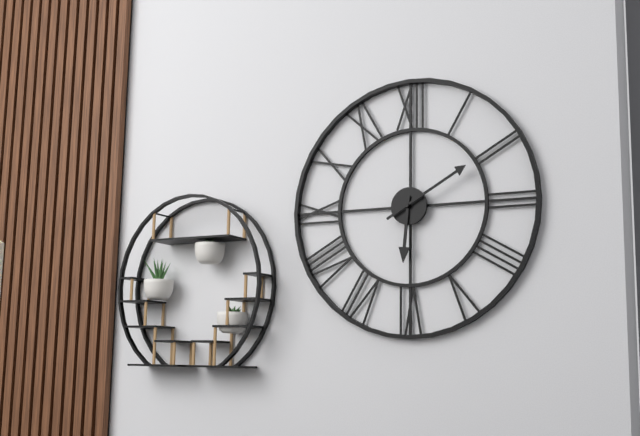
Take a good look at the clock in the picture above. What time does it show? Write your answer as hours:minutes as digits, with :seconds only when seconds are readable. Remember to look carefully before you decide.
6:10
